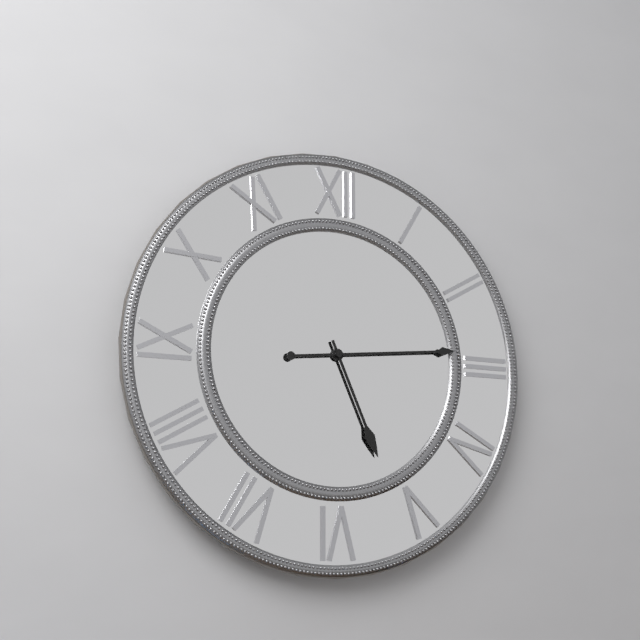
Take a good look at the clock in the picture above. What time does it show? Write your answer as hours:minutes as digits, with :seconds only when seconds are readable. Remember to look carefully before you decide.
5:14
